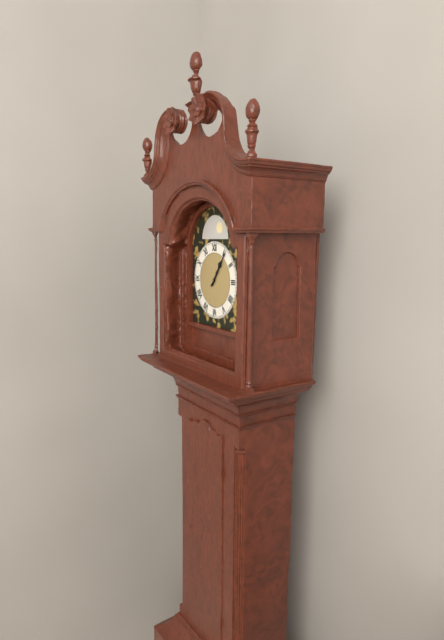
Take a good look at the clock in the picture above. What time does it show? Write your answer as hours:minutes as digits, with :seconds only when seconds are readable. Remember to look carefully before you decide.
1:06
